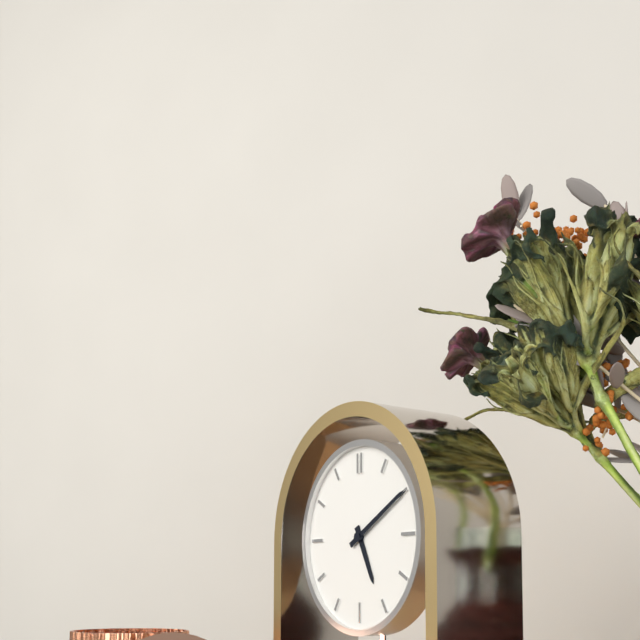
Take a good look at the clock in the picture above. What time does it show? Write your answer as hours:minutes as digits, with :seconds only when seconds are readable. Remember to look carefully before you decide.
5:10
